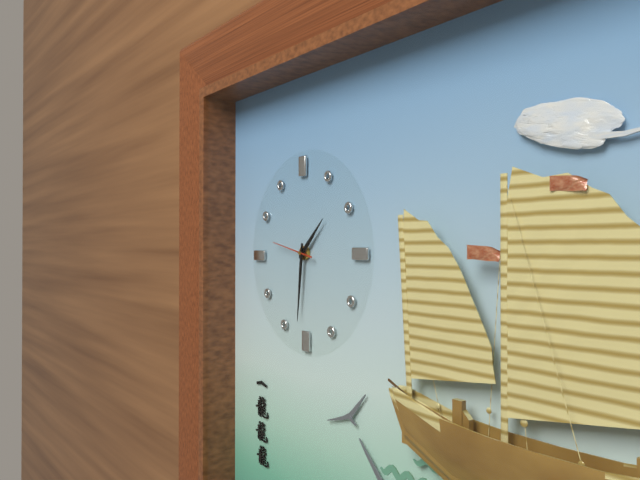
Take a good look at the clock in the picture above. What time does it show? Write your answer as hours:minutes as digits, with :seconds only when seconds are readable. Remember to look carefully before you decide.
1:31
